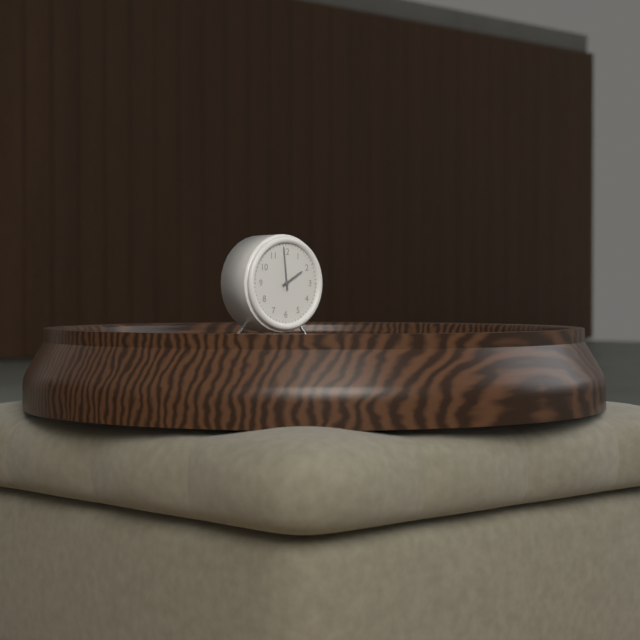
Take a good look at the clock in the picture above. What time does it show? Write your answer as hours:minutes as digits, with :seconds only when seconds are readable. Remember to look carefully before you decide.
1:59
